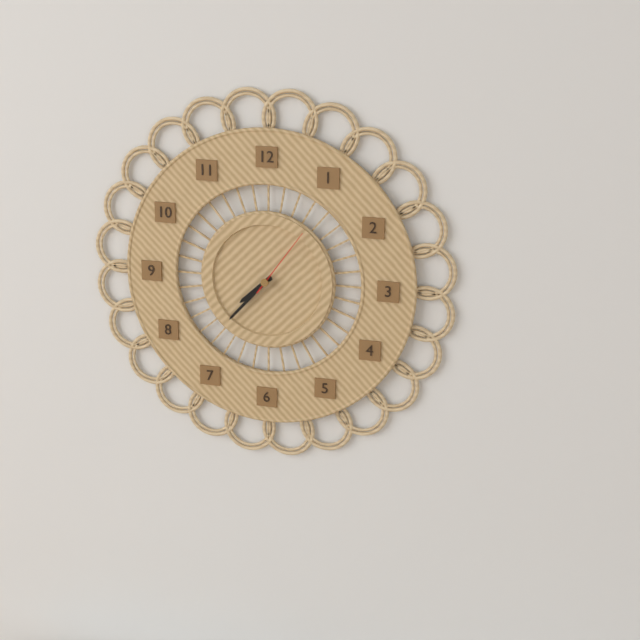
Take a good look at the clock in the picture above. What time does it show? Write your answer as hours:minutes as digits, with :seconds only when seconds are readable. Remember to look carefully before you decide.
7:37:06
